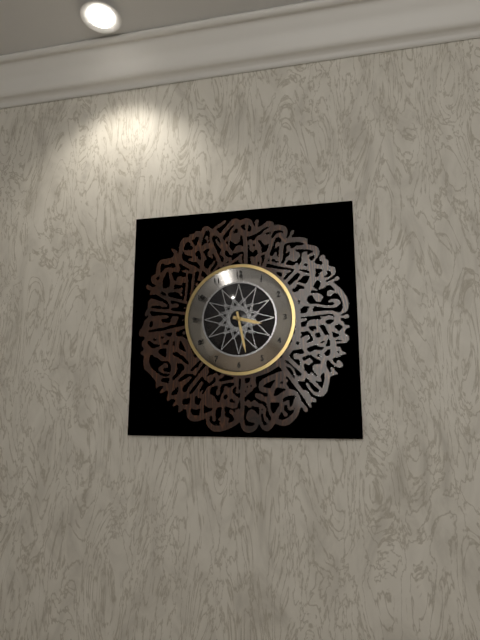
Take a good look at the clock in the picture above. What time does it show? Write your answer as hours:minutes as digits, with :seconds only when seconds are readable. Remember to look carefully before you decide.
3:28
